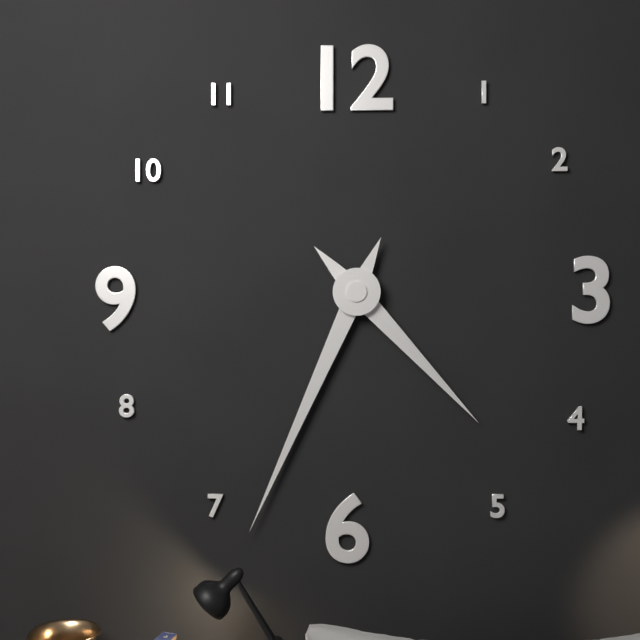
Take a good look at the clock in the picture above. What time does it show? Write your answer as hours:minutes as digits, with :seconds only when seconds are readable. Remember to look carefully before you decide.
4:34
